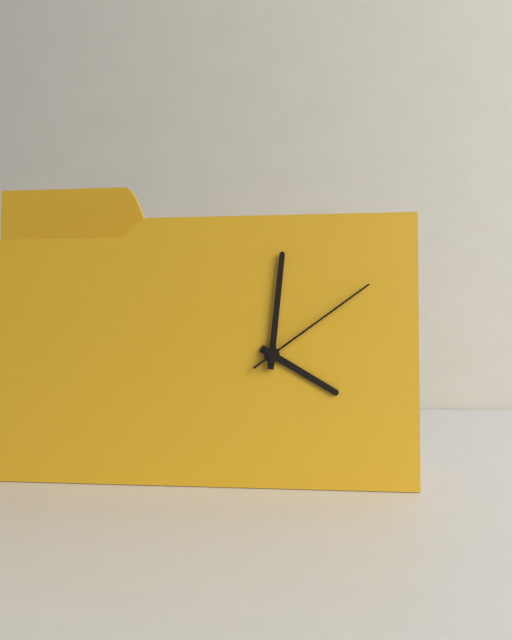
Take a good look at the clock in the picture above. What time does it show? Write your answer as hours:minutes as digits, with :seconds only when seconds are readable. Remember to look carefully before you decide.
4:01:09
